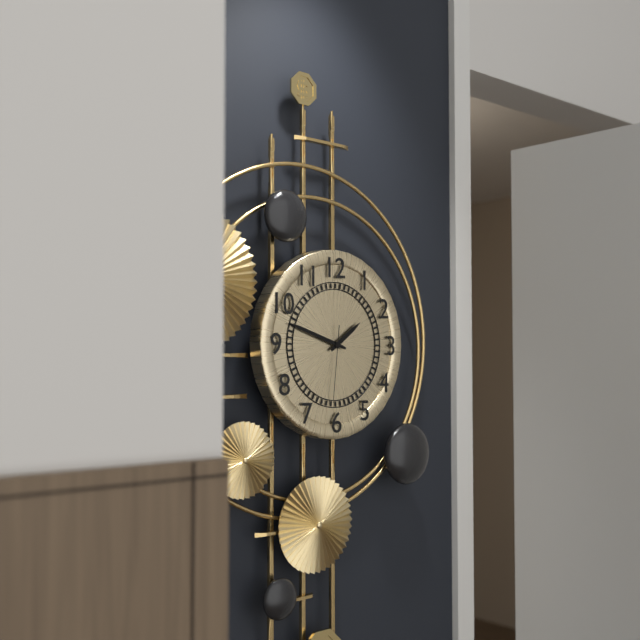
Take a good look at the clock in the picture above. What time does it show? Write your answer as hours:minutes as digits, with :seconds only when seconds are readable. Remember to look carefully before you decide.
1:48:31
